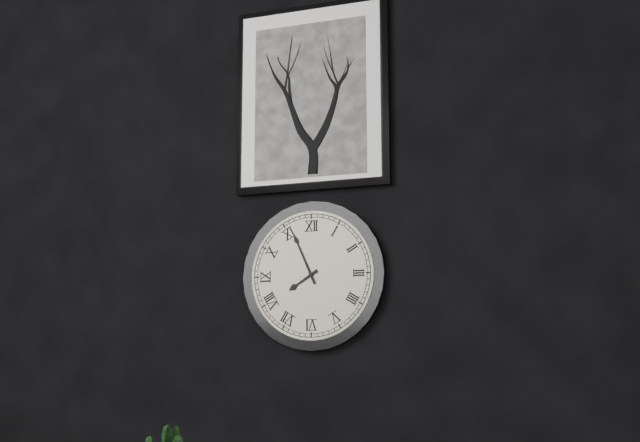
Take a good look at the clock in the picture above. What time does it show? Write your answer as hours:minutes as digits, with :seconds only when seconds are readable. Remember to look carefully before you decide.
7:56
